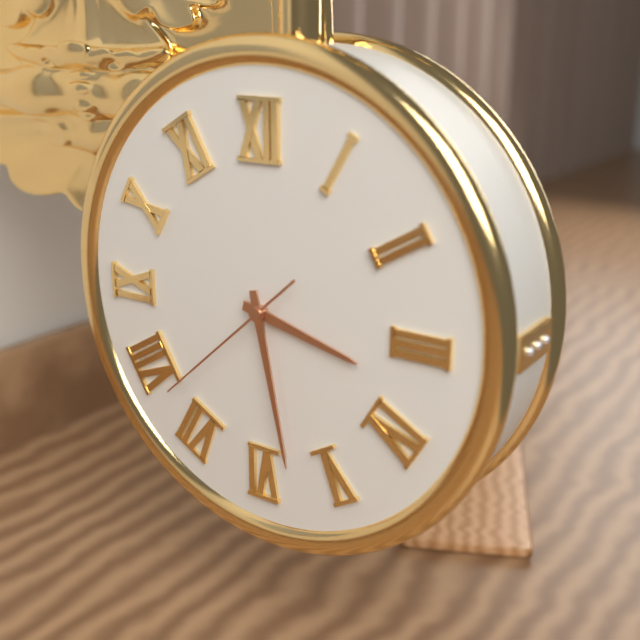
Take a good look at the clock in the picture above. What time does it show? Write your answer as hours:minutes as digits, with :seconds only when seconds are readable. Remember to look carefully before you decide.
3:28:38
